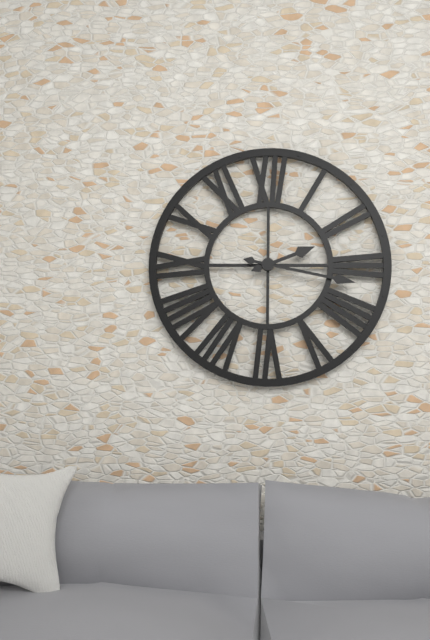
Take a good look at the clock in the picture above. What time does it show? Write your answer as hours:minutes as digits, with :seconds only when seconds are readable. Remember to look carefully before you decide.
2:17
